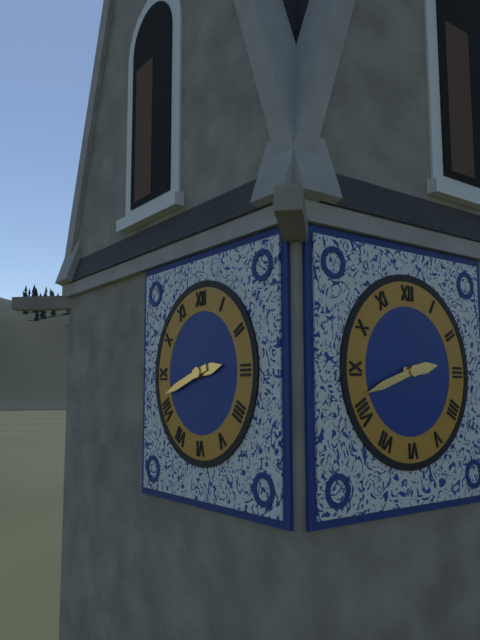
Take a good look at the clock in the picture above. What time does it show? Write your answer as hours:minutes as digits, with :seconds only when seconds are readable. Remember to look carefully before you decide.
2:42
